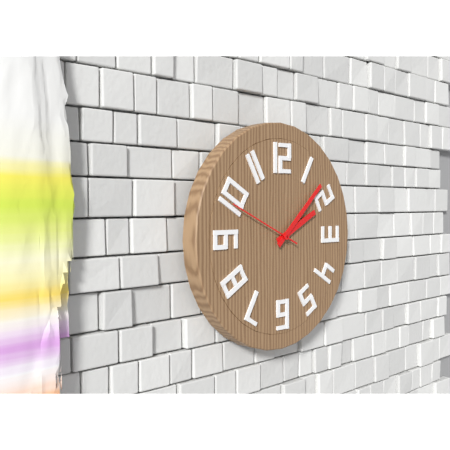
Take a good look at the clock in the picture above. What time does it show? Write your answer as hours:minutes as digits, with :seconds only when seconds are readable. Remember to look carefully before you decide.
2:08:49
